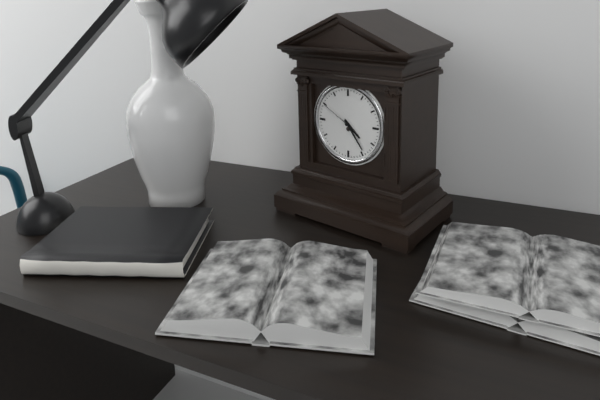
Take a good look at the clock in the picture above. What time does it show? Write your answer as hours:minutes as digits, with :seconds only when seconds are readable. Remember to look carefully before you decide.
4:24
